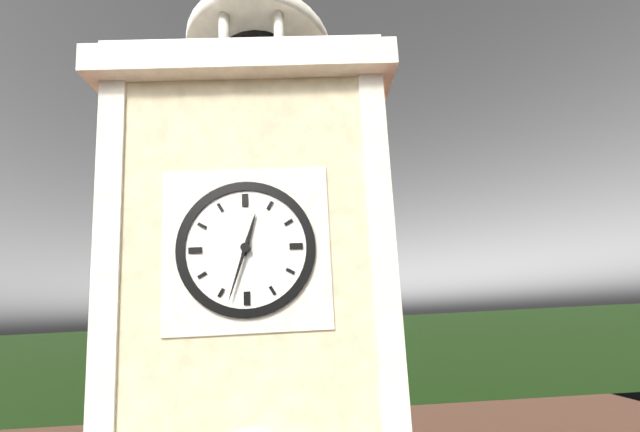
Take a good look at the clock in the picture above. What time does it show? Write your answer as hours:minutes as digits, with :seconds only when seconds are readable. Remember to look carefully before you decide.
12:33
